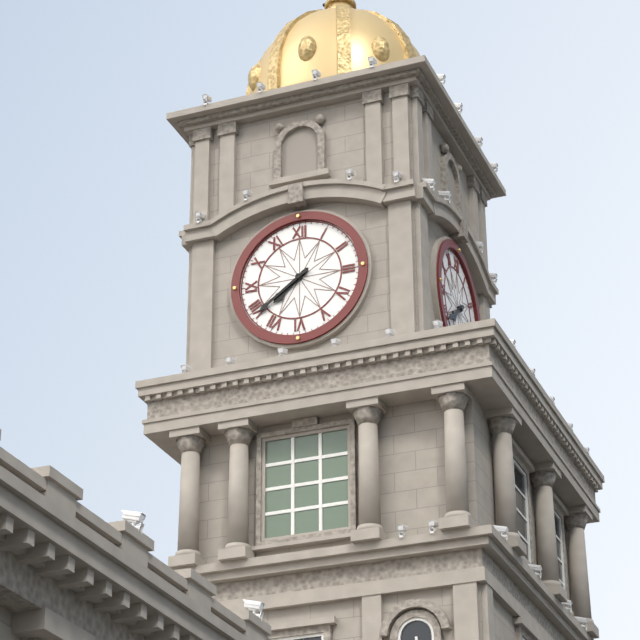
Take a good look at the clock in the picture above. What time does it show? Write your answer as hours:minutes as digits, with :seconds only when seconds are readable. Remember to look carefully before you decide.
7:39
